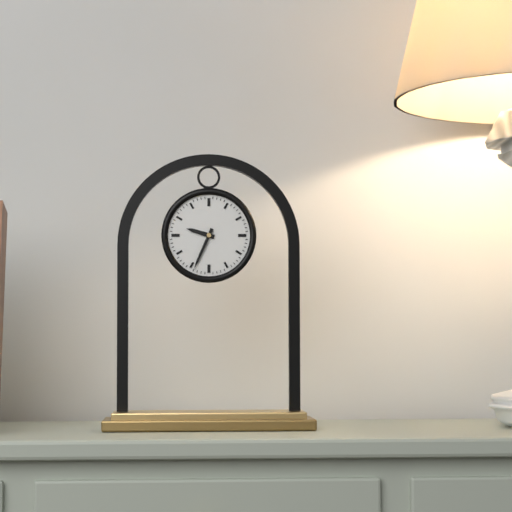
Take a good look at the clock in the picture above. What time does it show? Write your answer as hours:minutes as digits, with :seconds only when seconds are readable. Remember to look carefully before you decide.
9:34
